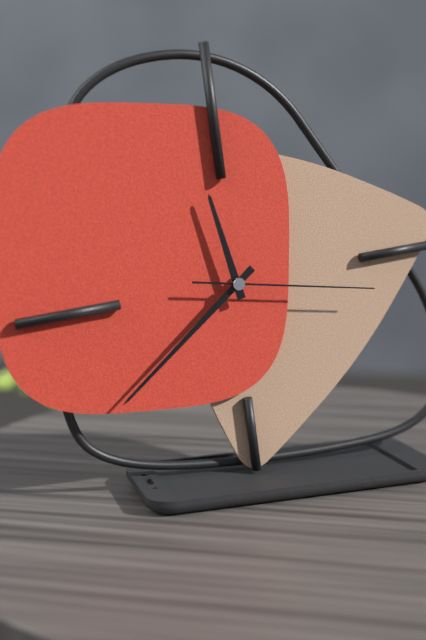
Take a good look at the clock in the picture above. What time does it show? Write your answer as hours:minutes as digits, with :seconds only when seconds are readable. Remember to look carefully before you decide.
11:39:17
